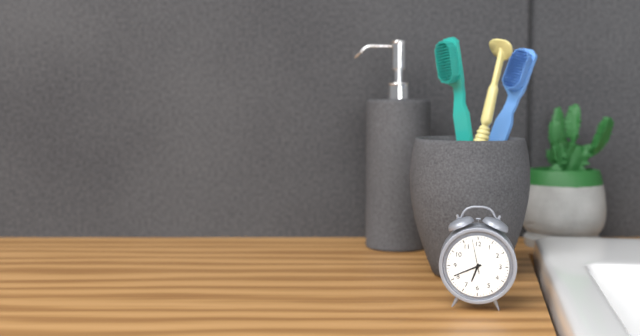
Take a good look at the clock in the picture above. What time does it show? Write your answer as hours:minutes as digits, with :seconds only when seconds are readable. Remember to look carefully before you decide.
6:41
